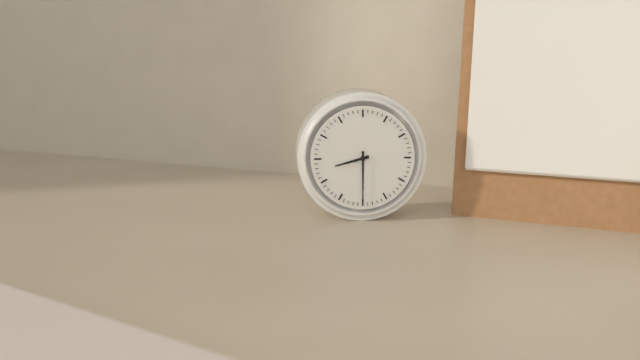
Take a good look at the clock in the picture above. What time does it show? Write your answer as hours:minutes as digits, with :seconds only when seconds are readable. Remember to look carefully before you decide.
8:30
